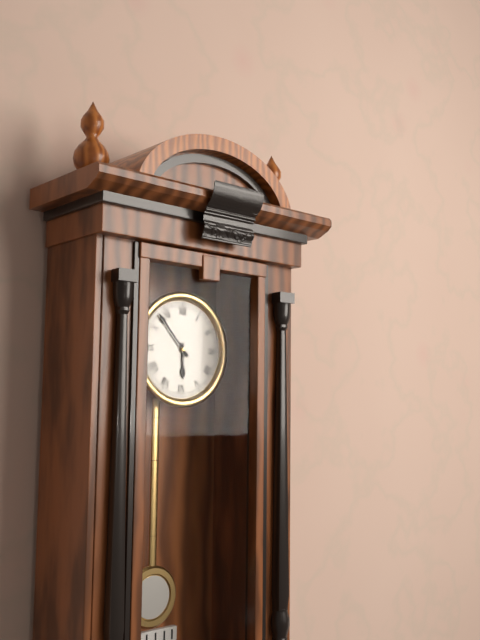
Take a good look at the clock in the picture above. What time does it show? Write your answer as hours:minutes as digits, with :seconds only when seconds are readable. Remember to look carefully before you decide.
5:53
